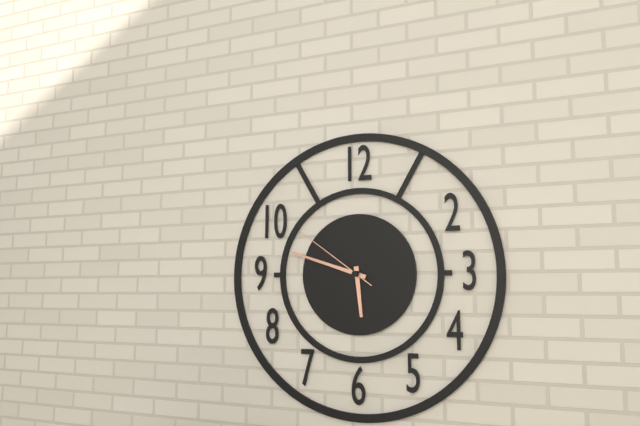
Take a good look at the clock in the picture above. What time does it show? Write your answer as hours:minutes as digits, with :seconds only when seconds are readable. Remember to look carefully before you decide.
5:48:51
